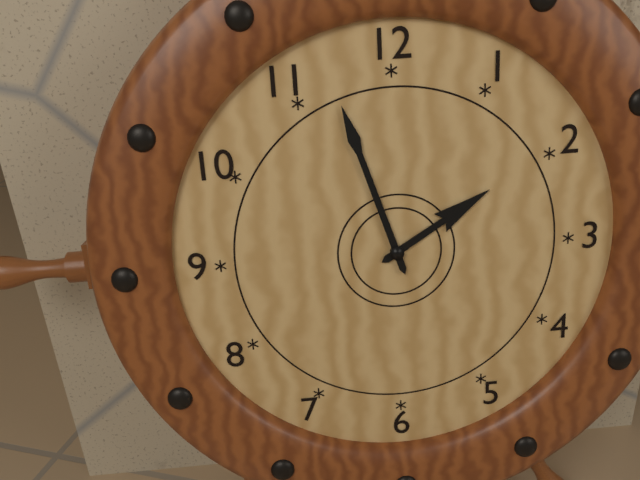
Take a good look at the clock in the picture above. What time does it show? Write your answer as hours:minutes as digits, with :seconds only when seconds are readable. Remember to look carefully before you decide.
1:57
